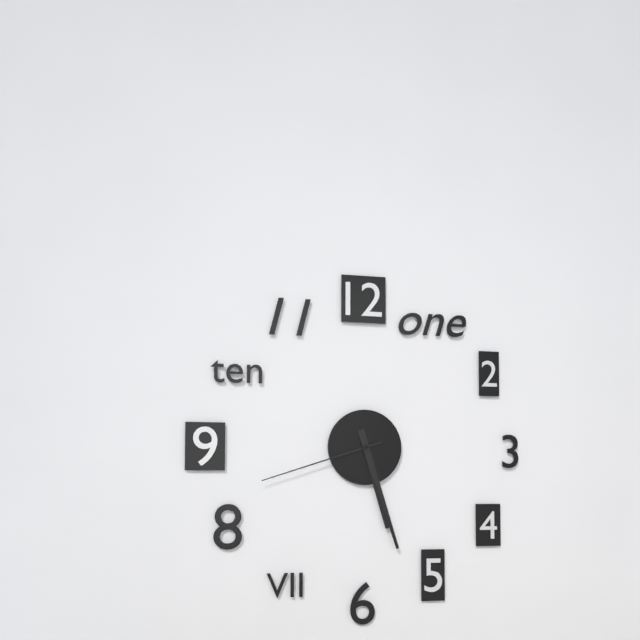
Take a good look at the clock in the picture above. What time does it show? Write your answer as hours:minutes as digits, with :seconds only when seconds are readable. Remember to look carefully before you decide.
5:27:42
